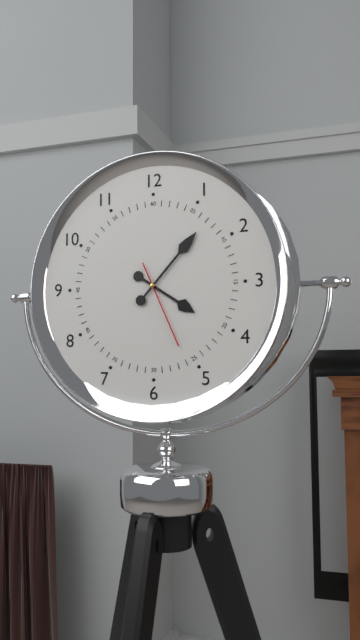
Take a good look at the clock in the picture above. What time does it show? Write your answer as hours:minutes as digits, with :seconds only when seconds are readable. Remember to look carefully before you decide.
4:07:26
